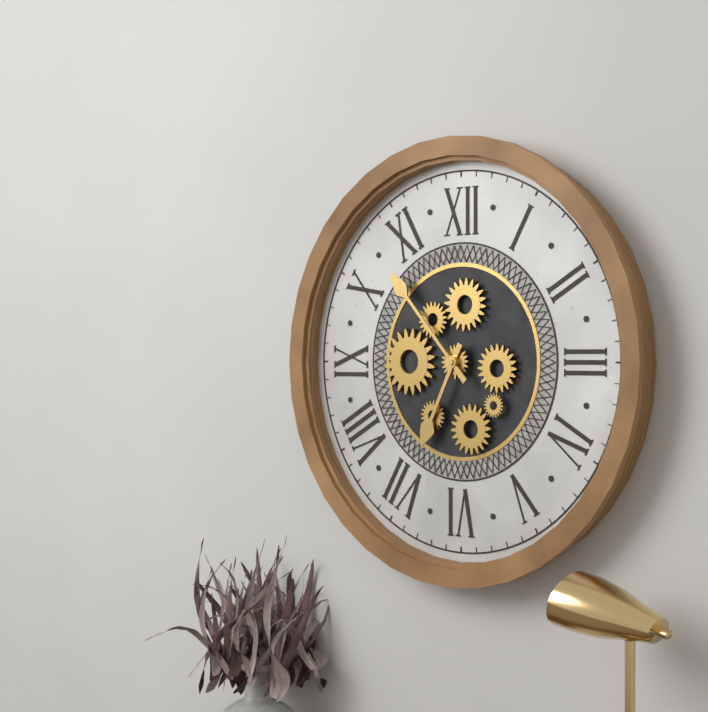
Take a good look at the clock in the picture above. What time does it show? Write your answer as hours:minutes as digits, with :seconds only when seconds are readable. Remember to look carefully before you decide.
6:53
